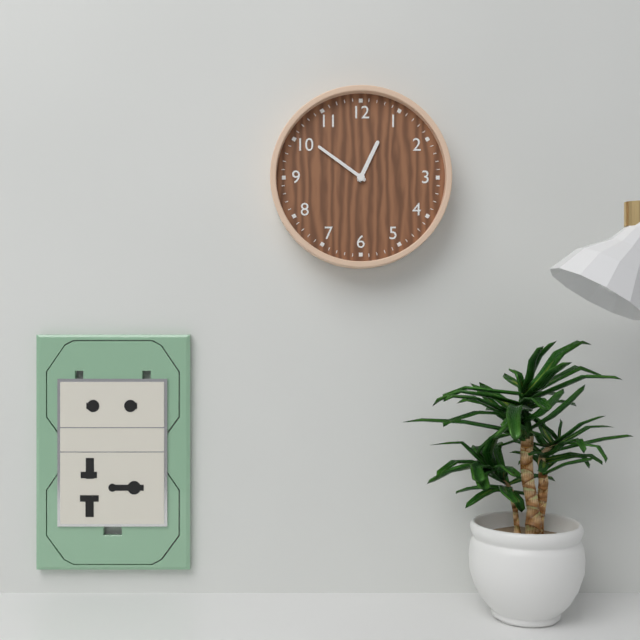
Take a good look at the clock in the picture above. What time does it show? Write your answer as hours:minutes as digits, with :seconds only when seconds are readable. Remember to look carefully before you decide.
12:51
